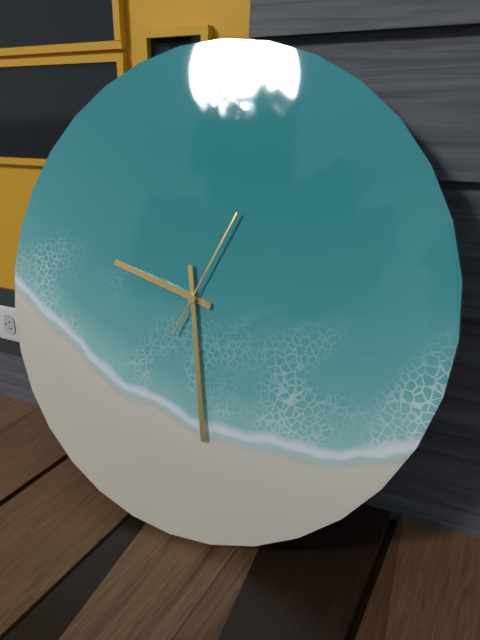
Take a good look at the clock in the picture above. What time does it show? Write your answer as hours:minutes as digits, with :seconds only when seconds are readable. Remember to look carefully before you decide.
9:28:04
